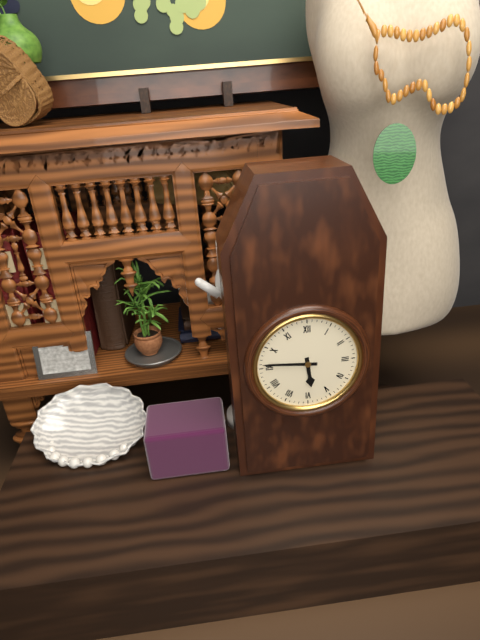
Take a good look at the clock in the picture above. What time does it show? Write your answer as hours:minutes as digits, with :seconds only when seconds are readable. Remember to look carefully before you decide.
5:46
